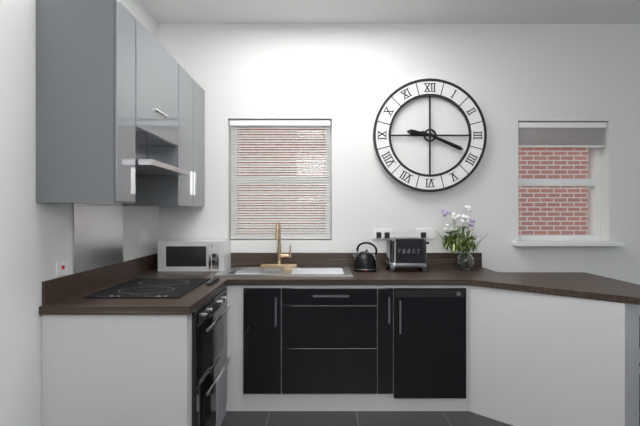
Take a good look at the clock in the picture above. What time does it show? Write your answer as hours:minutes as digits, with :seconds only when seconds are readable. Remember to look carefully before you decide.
9:19
